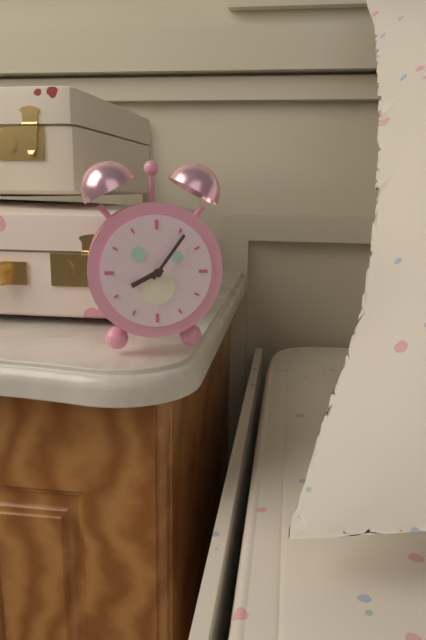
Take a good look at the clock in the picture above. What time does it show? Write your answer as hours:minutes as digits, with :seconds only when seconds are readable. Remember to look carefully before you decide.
8:06
